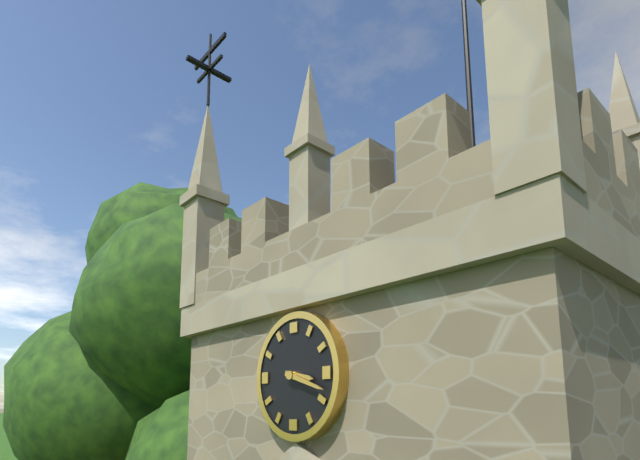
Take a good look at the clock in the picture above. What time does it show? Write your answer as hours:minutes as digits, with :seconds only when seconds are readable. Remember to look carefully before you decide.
3:18
